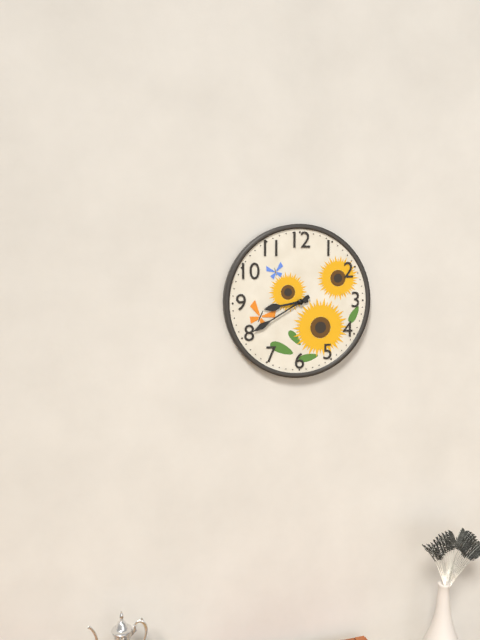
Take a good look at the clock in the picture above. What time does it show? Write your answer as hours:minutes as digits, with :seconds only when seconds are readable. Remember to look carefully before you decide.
8:40
